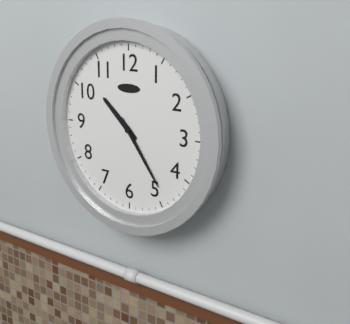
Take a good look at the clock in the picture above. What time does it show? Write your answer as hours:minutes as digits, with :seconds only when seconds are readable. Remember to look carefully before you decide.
10:24
